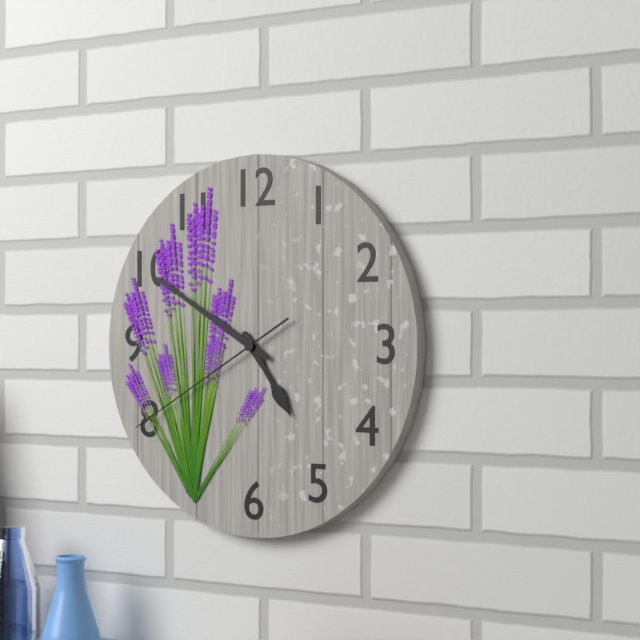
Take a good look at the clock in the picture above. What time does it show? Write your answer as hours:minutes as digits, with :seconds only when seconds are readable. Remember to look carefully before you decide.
4:50:40
